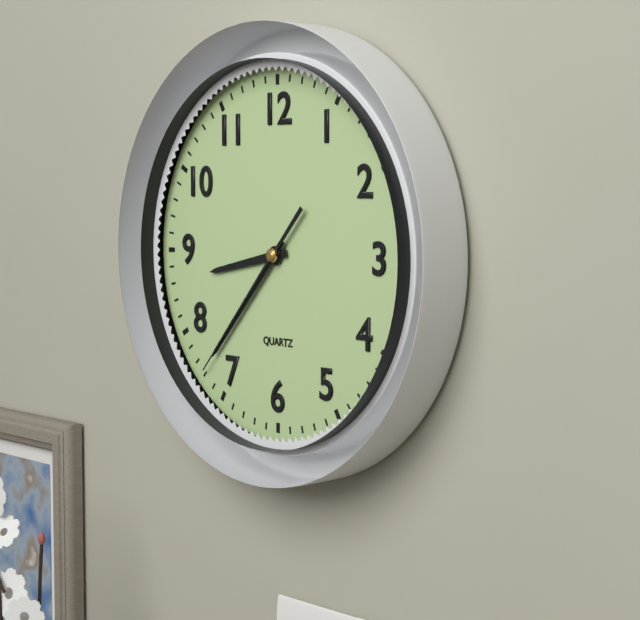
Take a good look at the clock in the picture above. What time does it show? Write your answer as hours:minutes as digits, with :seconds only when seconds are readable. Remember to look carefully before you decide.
8:37:37
